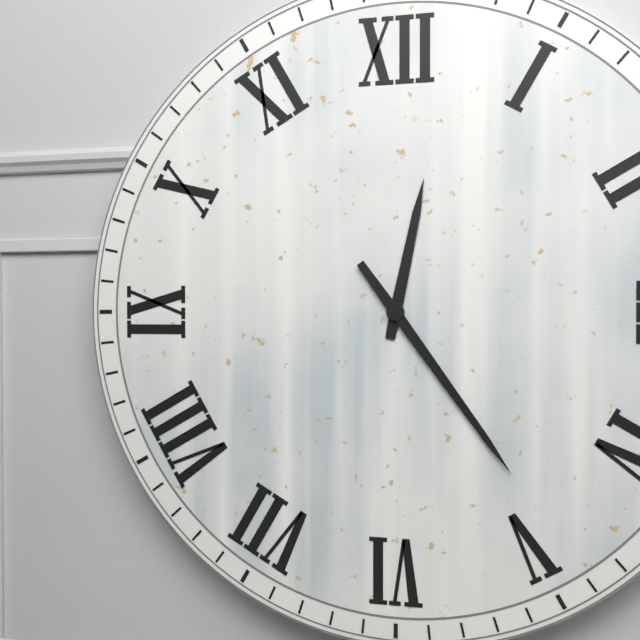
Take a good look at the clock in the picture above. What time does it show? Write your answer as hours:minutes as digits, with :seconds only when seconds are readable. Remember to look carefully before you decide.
12:24
